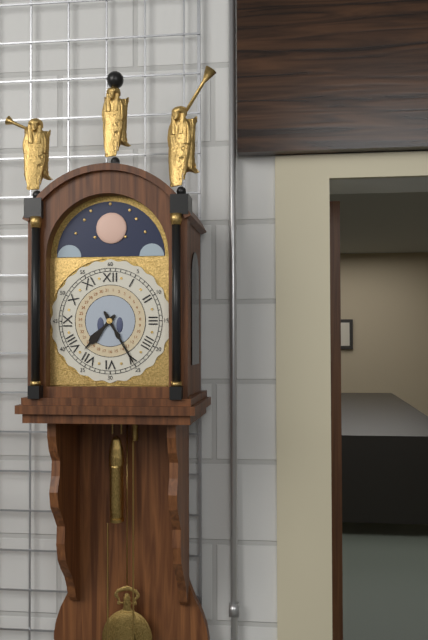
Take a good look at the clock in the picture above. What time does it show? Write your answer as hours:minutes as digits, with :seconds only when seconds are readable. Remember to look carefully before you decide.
7:25
